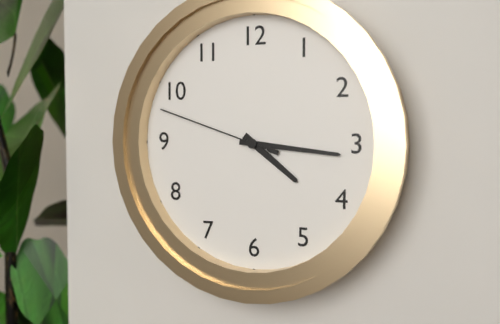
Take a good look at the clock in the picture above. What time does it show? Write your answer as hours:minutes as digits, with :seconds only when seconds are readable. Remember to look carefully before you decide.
4:16:48
